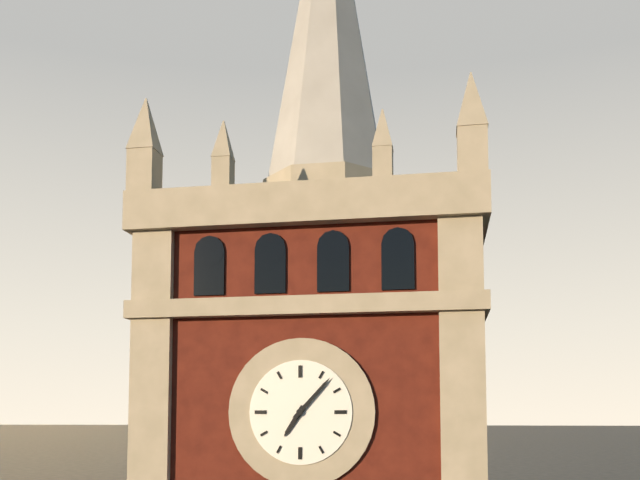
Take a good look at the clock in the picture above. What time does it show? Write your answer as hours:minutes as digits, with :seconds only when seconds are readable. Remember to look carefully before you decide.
7:07
